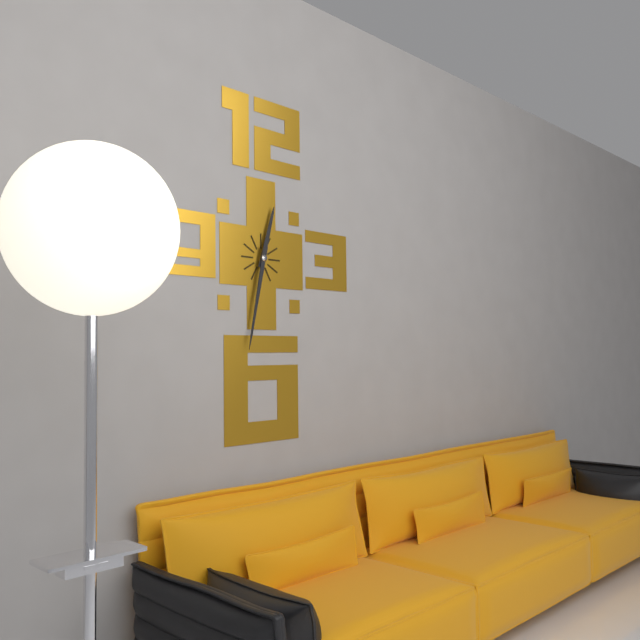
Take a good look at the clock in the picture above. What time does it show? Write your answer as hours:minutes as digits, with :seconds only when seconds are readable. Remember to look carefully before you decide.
12:32
